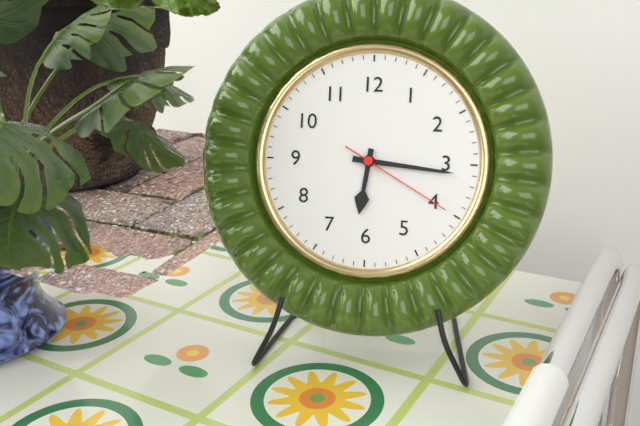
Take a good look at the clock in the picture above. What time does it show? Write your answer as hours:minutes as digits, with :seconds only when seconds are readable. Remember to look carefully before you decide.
6:16:20
